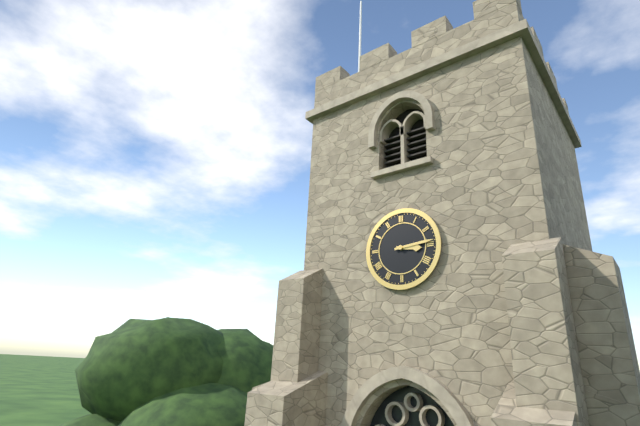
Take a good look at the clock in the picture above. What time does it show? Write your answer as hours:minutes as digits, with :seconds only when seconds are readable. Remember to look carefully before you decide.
3:14
